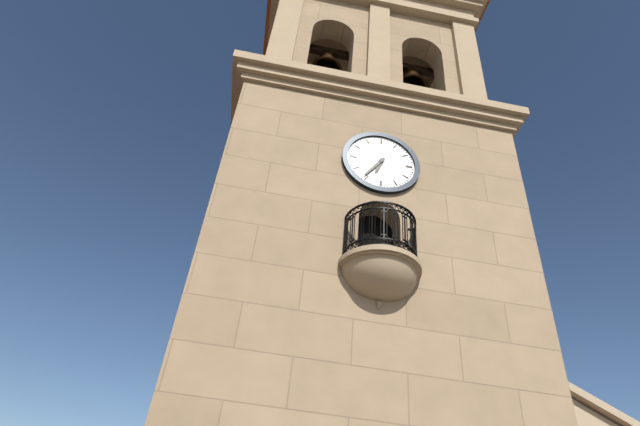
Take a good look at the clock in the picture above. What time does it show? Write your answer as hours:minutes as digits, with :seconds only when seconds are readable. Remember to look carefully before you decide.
6:36
